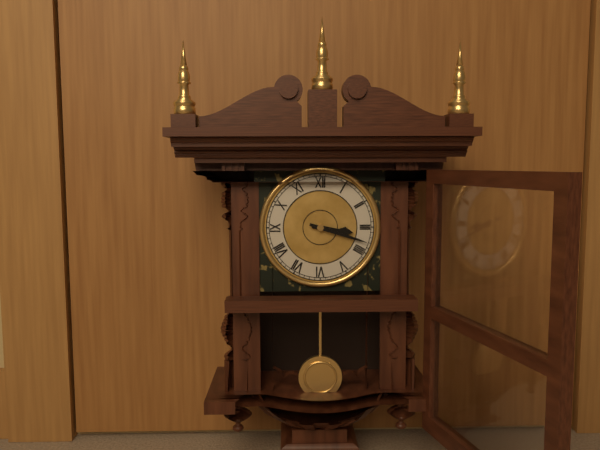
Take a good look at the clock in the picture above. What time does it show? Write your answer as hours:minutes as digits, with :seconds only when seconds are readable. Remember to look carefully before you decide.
3:18
